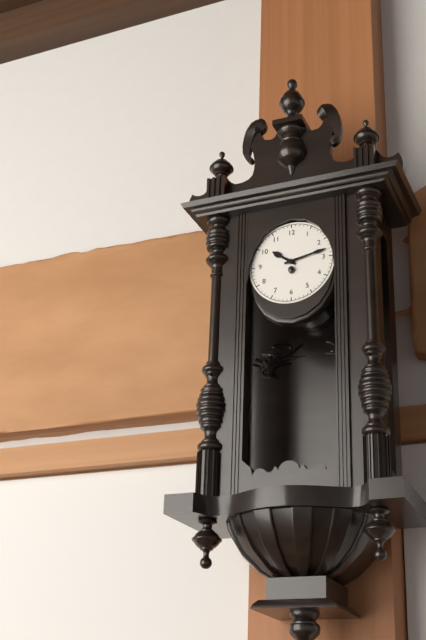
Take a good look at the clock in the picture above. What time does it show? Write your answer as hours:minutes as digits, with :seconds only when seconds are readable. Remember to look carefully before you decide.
10:13
